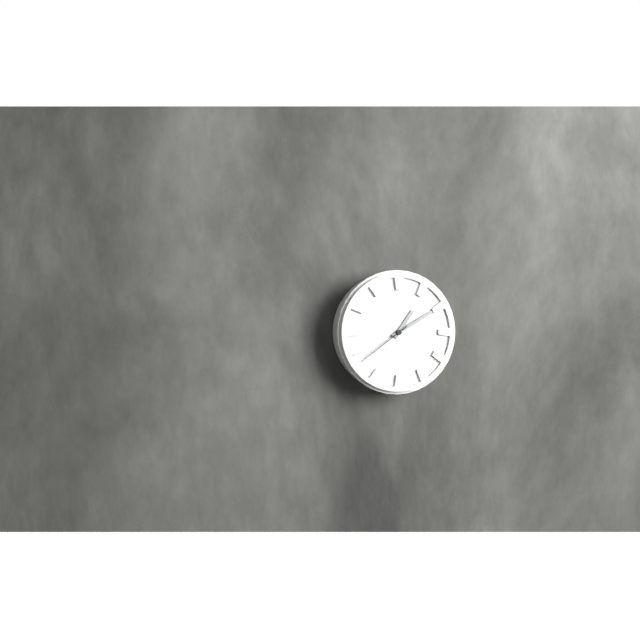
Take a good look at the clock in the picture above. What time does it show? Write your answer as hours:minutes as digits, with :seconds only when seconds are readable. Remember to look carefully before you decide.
1:10:39
